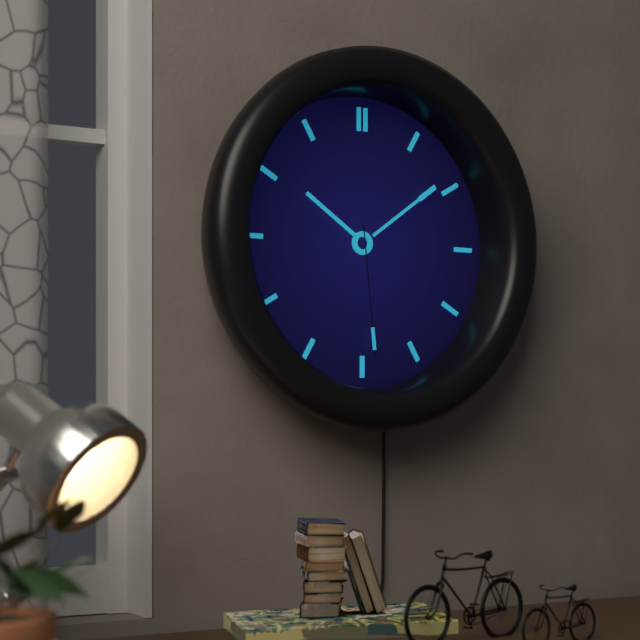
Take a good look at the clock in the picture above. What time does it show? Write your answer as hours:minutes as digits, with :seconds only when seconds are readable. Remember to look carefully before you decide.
10:09:29
